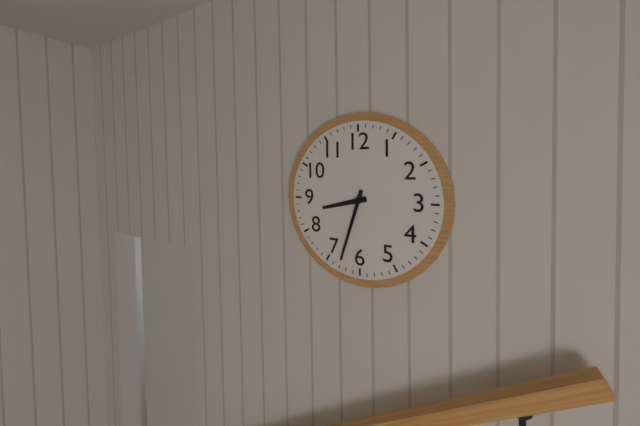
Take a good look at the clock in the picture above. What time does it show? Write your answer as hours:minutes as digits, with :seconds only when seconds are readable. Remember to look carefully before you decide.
8:33
